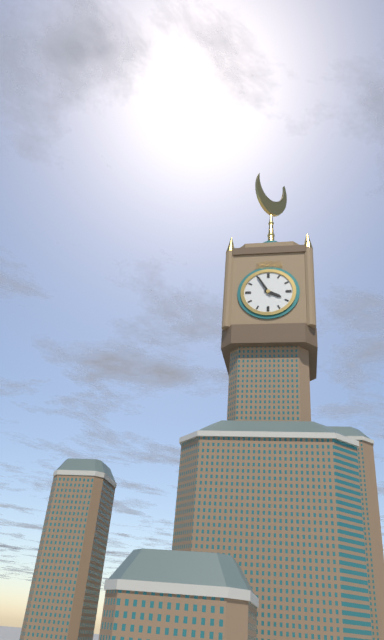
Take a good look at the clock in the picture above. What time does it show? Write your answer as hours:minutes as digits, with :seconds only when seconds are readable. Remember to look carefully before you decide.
3:55
